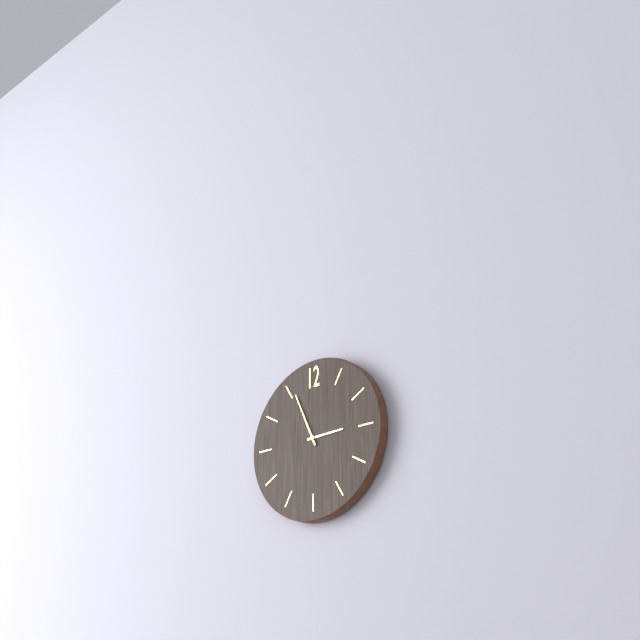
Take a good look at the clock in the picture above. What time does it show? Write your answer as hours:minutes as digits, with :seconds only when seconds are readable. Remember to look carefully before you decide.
2:56
